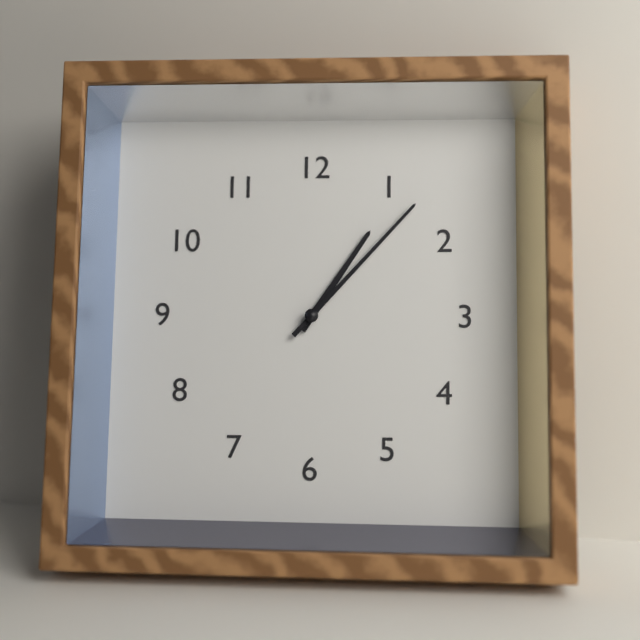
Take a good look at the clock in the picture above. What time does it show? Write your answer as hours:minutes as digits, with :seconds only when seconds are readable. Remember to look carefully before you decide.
1:07
